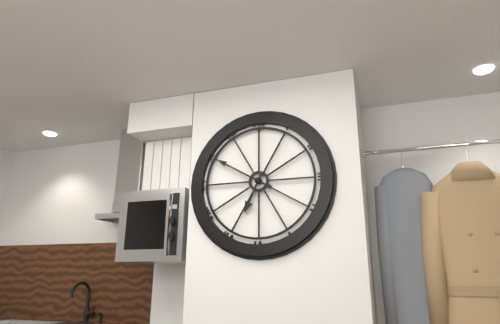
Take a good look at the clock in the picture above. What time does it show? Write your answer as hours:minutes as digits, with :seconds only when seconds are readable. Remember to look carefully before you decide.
6:50
